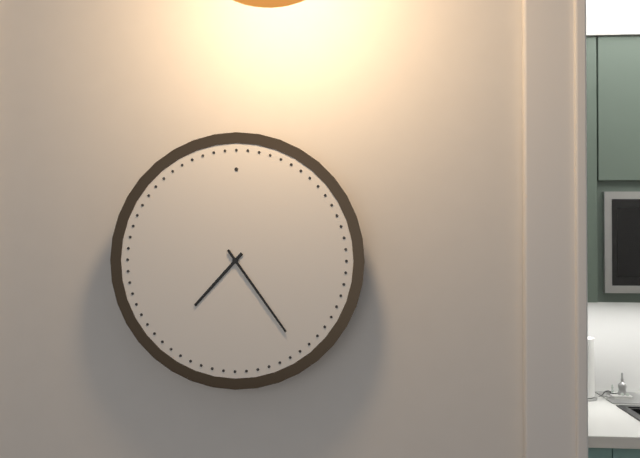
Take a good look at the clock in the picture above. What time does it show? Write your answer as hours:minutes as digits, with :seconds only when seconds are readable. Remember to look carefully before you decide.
7:24
